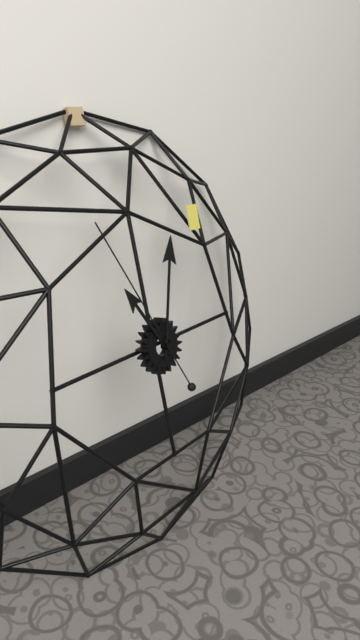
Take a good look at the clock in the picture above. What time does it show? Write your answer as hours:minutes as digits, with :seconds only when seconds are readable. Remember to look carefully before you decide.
11:03:56
